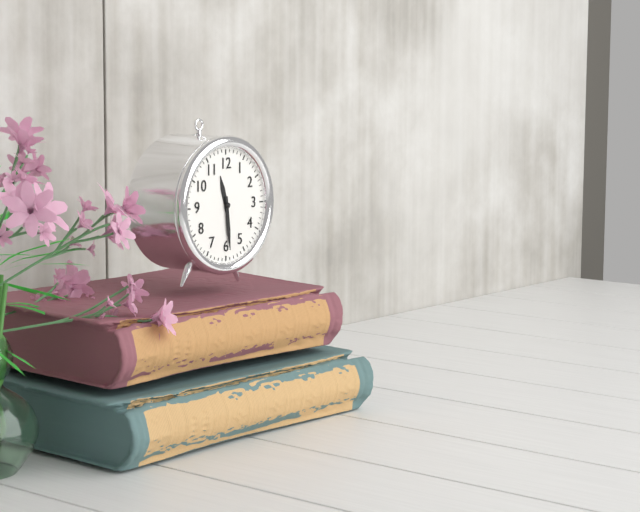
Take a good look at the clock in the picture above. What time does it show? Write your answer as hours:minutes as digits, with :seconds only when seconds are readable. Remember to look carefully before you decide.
11:29
